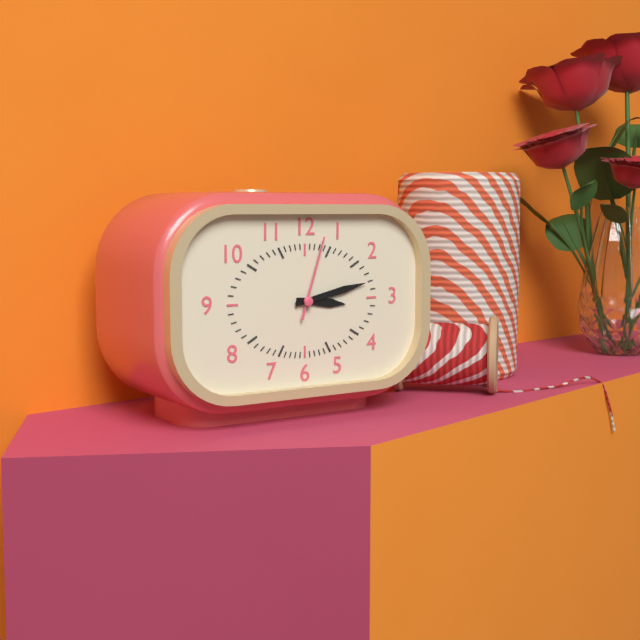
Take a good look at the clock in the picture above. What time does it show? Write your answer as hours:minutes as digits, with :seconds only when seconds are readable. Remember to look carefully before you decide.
3:13:03
